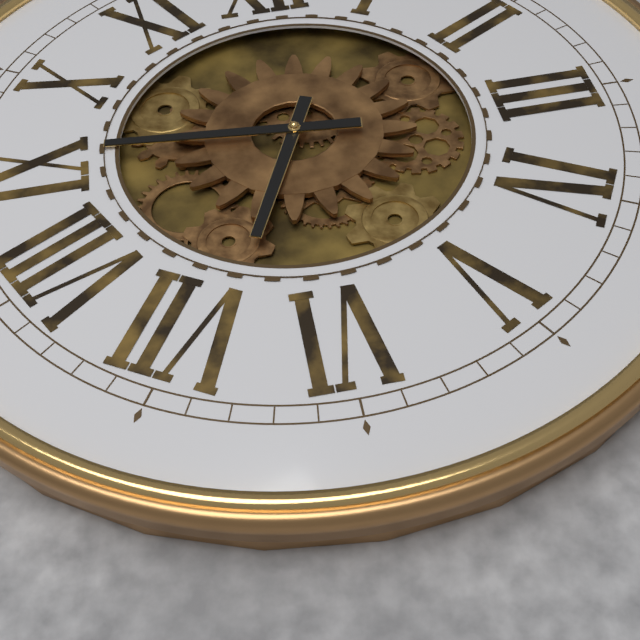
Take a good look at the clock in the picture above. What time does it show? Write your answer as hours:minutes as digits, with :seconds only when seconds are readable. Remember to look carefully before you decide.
6:46
